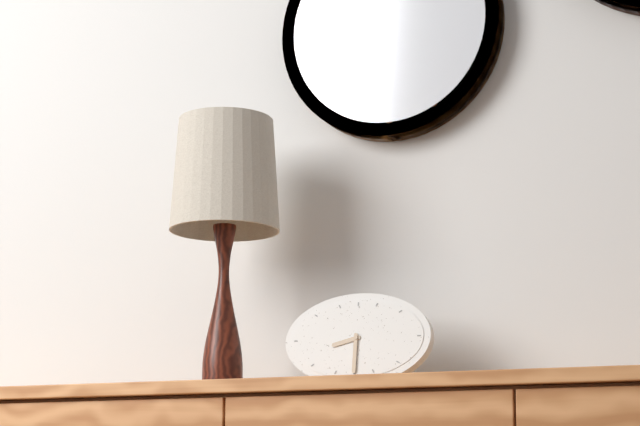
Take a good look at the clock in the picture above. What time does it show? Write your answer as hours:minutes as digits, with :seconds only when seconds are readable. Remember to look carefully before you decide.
8:30
